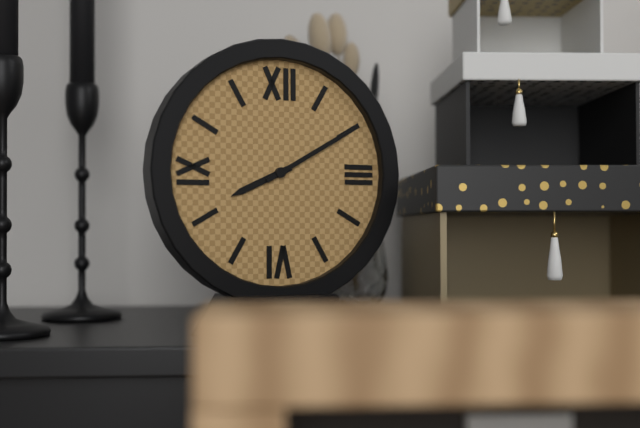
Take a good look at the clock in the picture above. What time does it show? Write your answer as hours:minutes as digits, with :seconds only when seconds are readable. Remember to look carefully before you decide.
8:10
